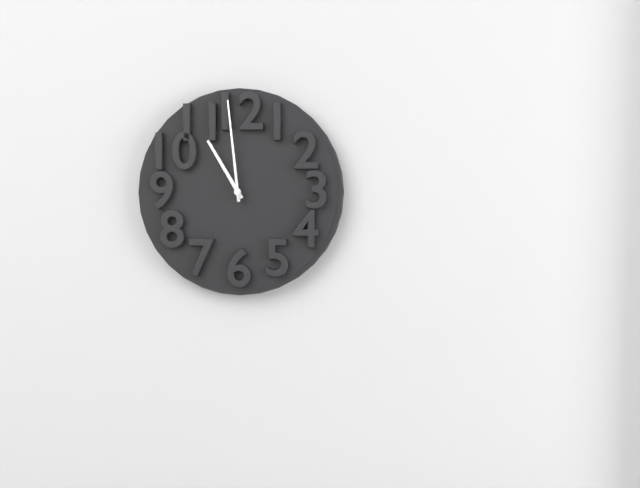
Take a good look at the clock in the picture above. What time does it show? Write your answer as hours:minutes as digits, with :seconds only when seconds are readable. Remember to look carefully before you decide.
10:59
